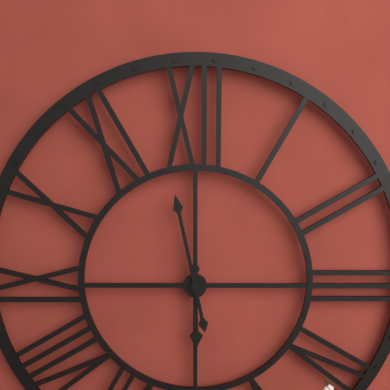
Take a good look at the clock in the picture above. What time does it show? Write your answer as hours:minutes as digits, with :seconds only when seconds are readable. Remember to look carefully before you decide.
5:58
